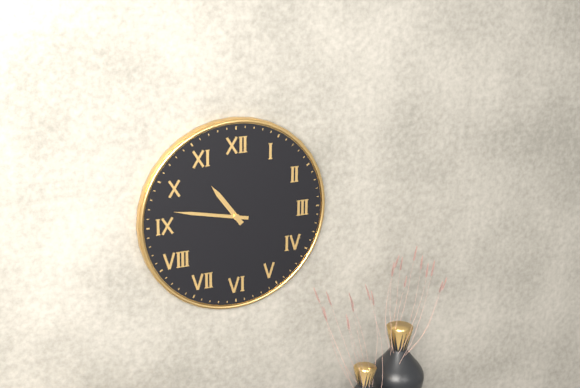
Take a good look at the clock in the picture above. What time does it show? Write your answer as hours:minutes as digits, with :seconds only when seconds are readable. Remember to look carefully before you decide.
10:47
